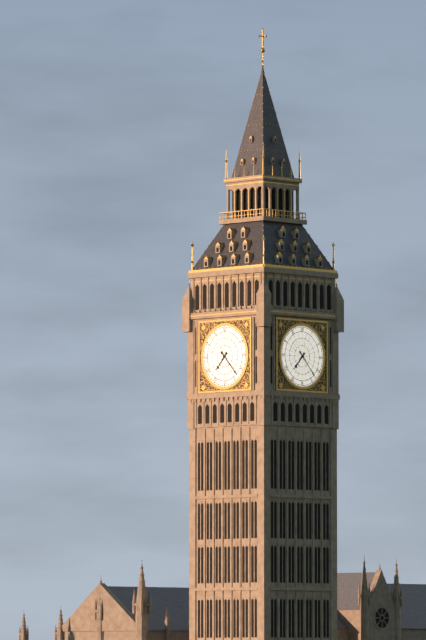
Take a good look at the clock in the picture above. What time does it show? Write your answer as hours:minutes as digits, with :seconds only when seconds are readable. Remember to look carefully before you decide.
7:23
